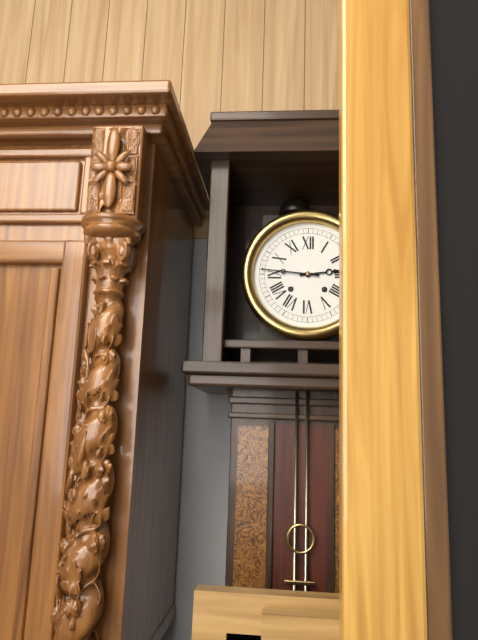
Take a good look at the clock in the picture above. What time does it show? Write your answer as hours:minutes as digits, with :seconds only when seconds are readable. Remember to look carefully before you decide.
2:46
